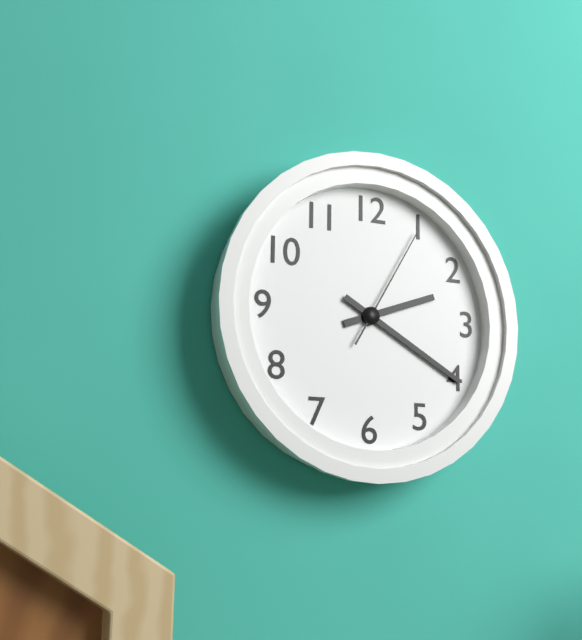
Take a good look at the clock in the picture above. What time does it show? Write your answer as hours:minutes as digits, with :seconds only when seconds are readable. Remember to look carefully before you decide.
2:20:05
